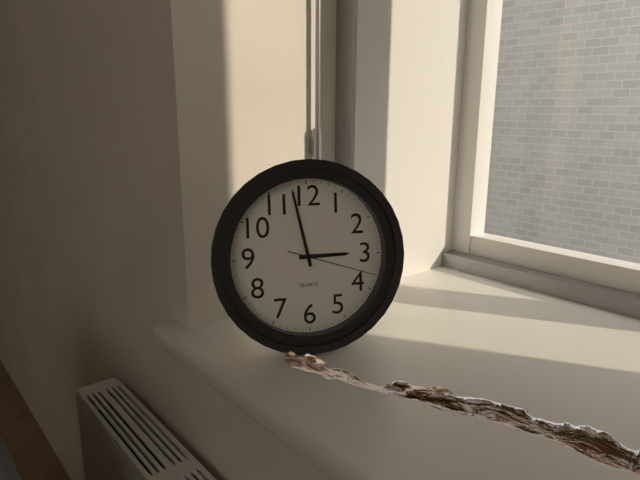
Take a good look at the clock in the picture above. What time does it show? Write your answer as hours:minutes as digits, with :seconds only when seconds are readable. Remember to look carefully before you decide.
2:58:18
